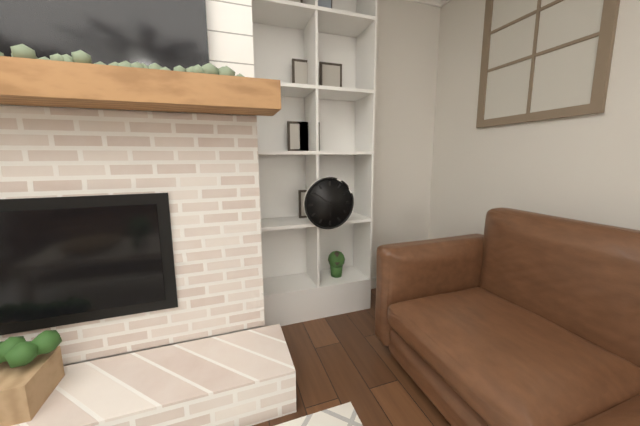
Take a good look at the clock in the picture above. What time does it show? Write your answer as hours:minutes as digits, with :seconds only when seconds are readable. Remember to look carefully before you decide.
5:51
